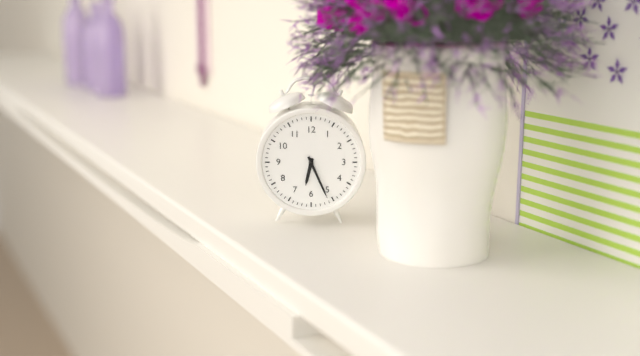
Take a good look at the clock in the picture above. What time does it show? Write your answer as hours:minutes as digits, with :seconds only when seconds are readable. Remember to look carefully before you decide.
6:26
